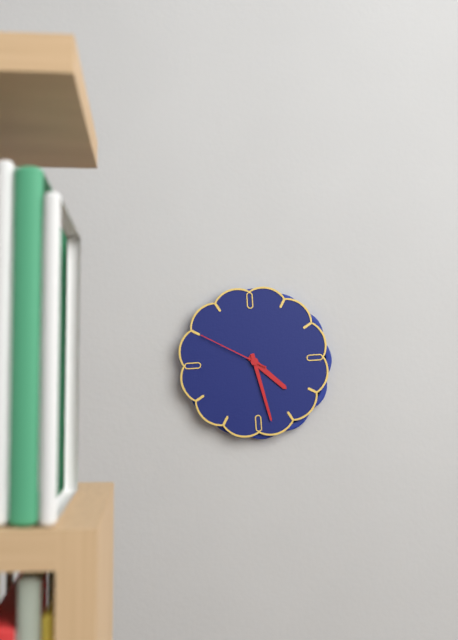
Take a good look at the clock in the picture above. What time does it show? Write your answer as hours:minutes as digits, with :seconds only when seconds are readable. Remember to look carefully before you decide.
4:28:50
